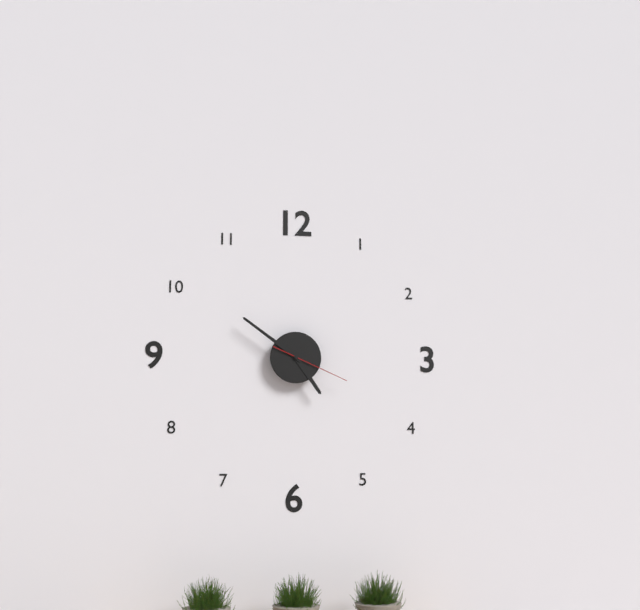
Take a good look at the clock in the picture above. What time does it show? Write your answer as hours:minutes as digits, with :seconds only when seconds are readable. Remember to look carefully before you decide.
4:51:19
